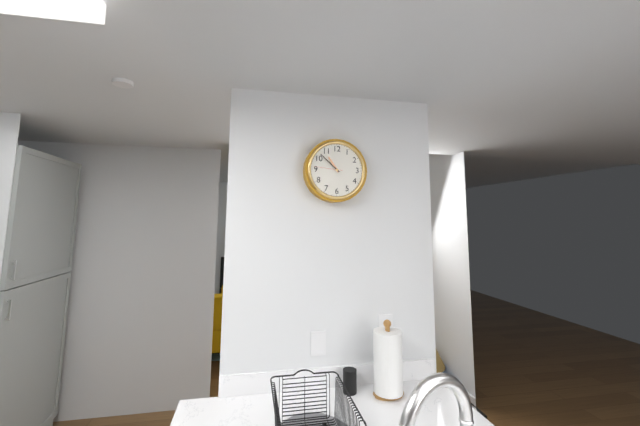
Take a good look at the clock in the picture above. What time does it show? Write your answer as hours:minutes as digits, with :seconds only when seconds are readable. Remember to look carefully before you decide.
10:52
